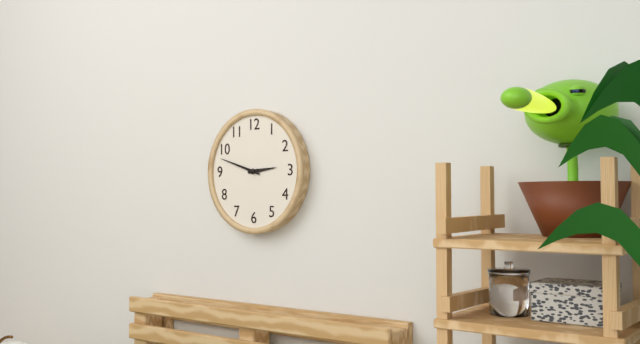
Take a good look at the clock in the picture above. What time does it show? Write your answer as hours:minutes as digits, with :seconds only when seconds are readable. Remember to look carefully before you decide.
2:48
